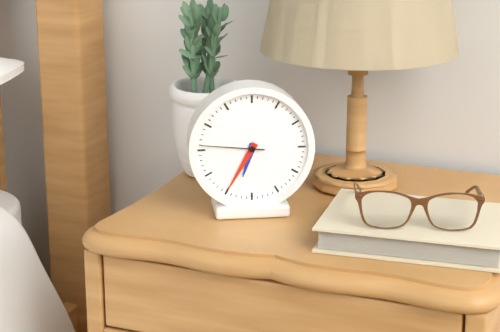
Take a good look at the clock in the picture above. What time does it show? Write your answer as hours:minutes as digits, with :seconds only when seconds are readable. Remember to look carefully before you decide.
6:35:46
